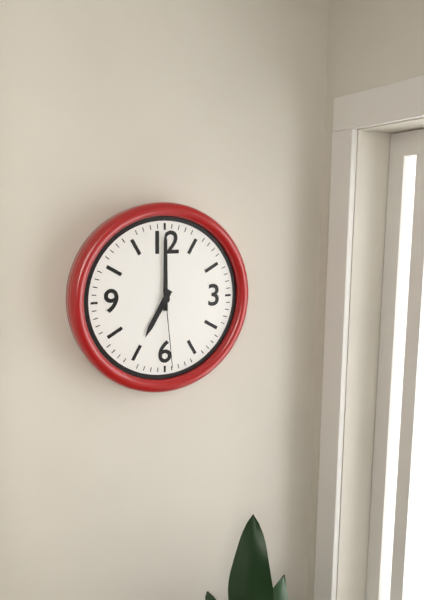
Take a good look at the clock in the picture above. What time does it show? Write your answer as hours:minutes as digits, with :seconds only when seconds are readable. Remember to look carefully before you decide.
7:00:29
